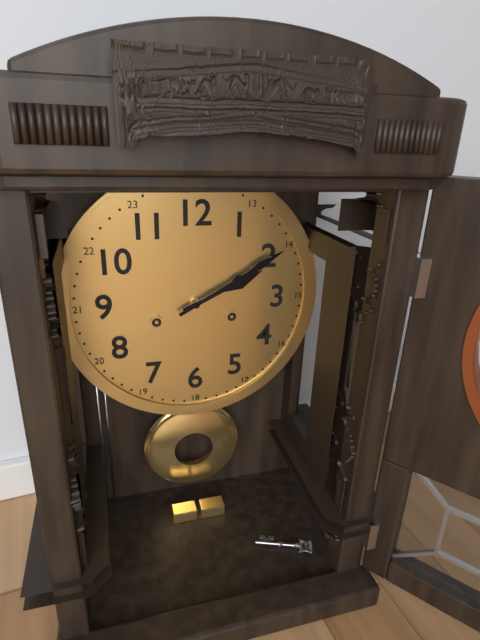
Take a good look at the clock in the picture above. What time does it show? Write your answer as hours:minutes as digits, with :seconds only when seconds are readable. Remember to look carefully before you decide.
2:10
